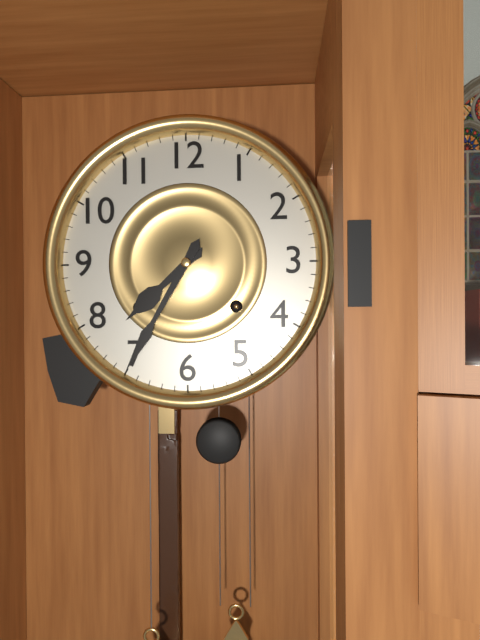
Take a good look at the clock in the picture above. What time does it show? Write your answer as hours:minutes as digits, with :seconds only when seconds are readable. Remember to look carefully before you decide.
7:35
